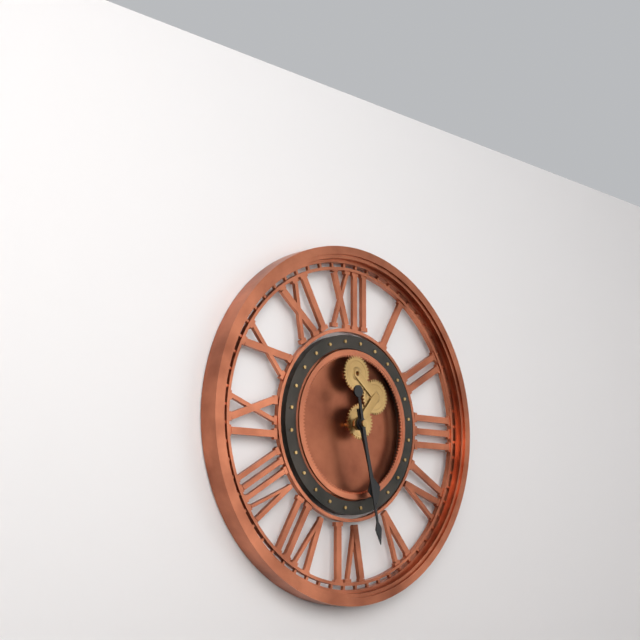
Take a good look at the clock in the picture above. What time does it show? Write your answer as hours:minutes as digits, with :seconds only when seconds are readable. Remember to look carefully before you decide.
5:28
